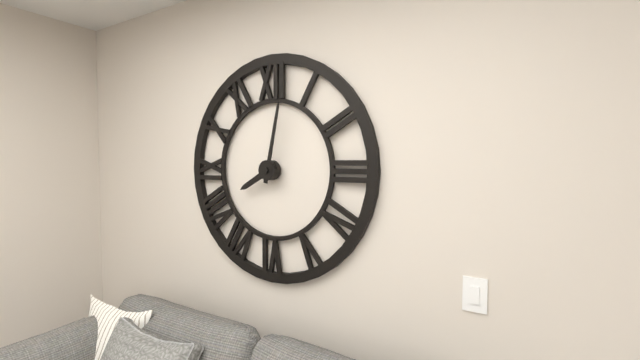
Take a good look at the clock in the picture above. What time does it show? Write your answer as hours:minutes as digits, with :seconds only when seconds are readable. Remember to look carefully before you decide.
8:02
